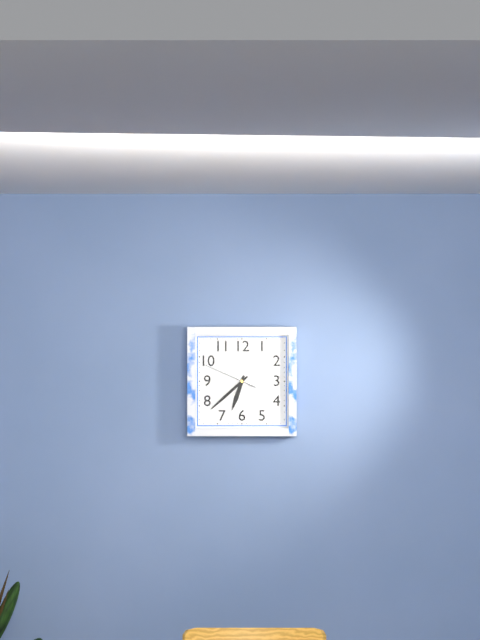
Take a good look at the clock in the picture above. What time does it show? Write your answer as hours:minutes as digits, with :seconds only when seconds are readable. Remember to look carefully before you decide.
6:38:49
